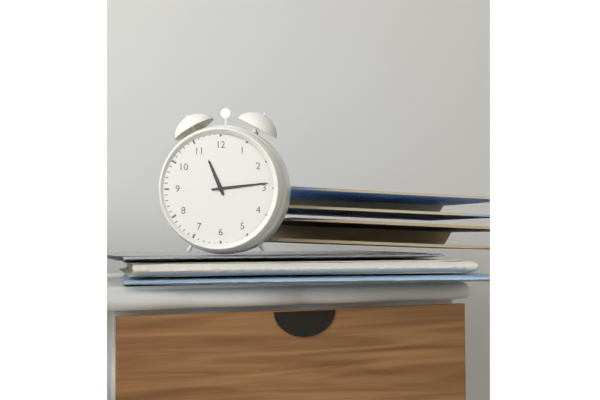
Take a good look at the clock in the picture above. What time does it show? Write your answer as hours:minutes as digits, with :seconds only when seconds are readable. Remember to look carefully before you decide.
11:14
